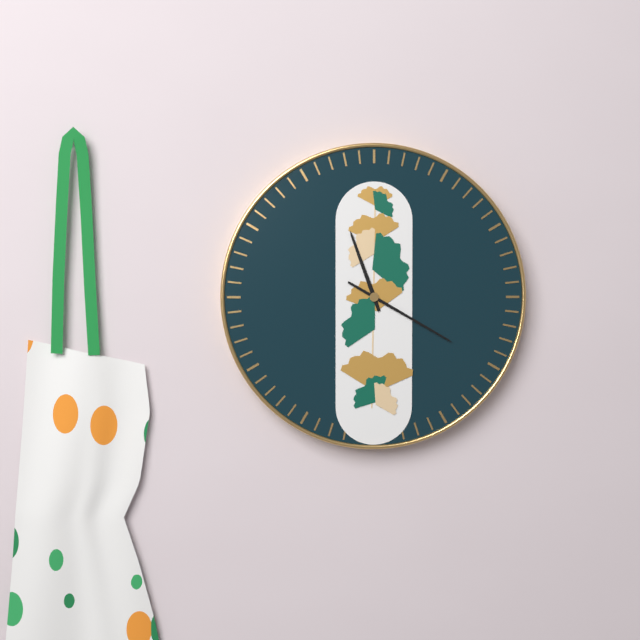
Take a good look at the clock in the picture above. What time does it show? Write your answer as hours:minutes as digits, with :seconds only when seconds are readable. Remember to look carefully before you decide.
11:20
